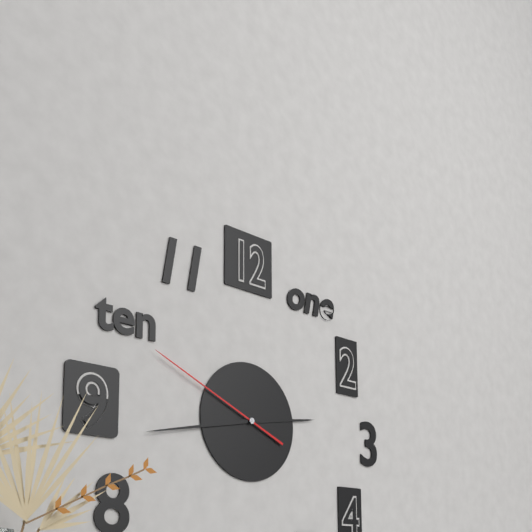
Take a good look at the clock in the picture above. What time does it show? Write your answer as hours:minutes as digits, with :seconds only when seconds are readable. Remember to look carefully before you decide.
2:43:49
